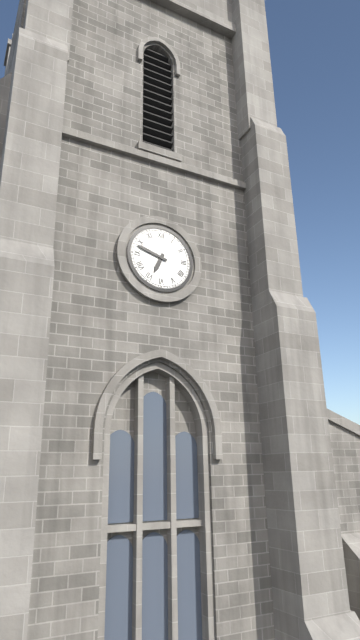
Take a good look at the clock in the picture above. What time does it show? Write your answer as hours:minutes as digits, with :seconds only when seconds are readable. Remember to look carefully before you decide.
6:48
